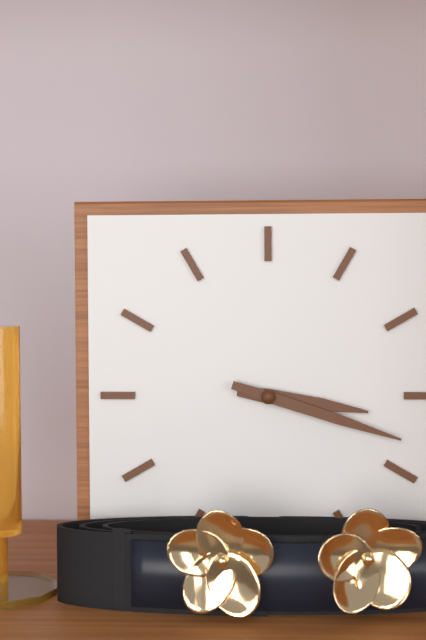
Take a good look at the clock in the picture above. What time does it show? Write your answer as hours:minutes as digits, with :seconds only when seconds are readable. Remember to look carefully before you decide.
3:18
